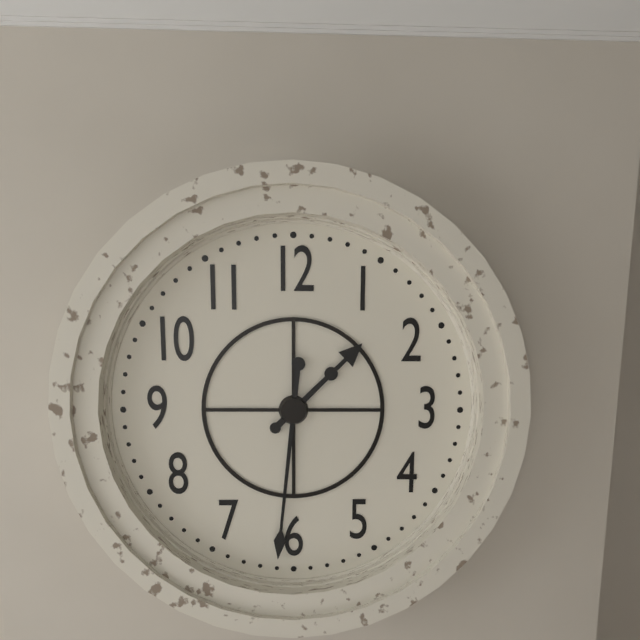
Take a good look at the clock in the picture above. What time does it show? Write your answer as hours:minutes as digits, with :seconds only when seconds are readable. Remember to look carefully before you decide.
1:31
